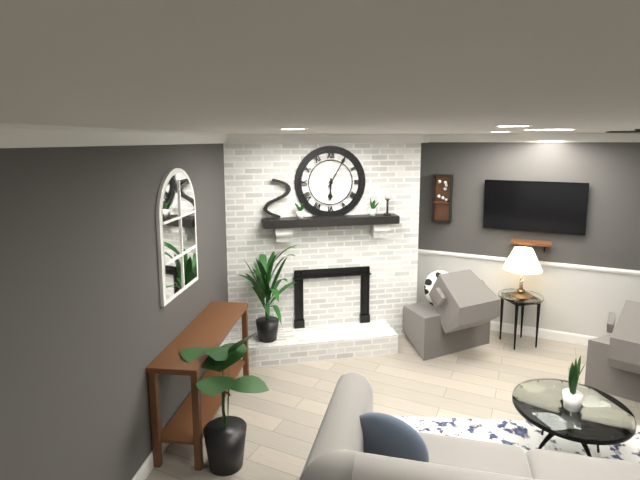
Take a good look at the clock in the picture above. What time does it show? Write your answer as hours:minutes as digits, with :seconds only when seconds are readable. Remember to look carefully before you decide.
6:05
